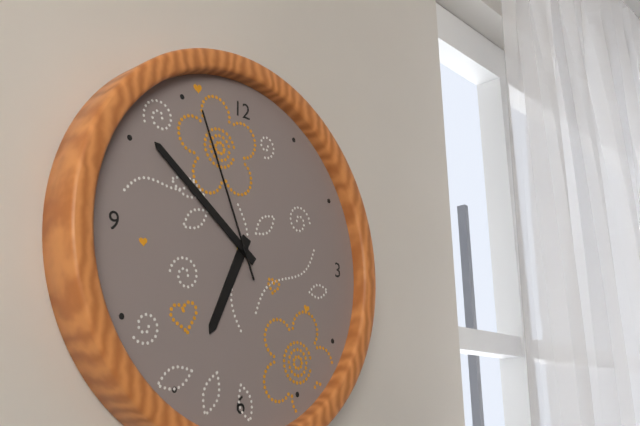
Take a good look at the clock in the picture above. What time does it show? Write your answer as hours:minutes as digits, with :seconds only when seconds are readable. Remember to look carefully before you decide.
6:51:56
